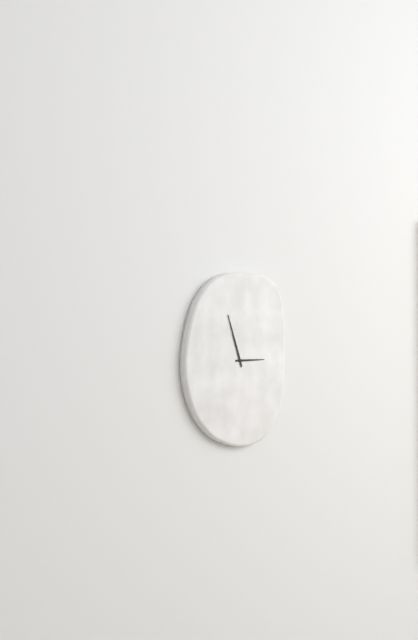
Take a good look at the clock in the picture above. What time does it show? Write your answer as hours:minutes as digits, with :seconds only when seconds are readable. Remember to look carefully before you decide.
2:57
